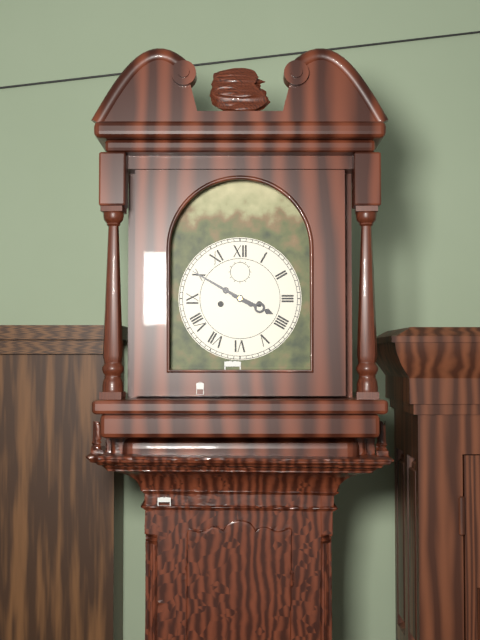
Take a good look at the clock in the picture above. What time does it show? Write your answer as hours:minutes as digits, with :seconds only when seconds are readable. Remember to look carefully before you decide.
3:50
